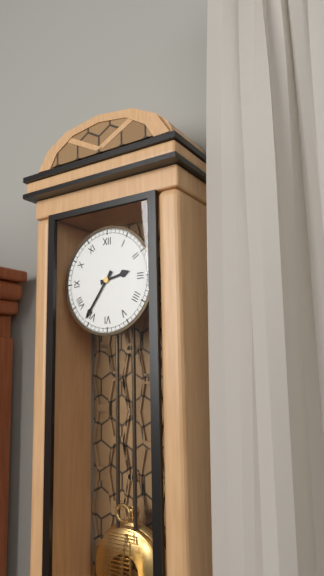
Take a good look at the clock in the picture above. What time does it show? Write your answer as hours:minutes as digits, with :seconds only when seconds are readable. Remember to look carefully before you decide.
2:36
